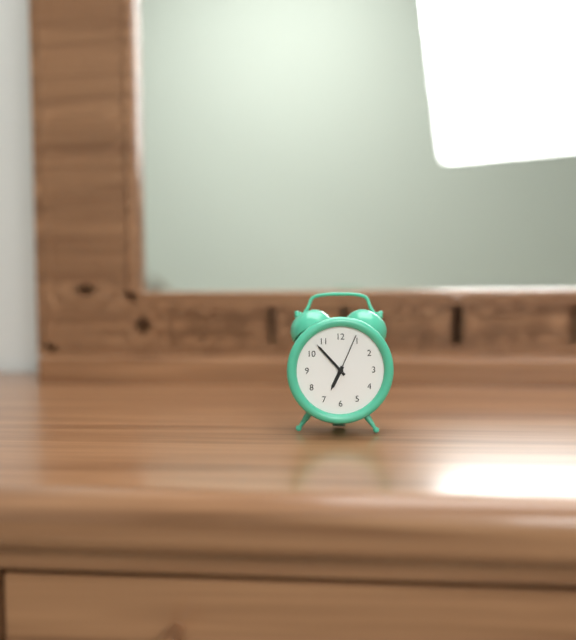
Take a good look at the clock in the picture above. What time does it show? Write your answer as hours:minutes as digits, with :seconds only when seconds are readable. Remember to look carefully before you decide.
6:53
